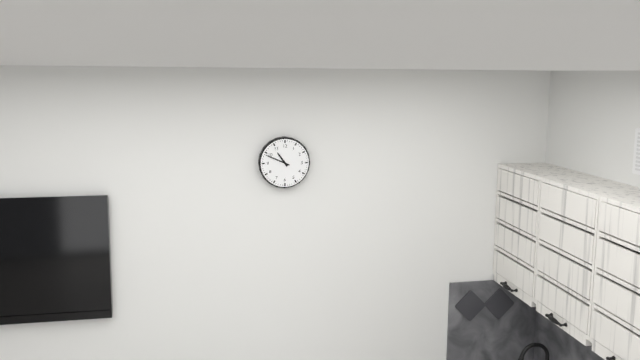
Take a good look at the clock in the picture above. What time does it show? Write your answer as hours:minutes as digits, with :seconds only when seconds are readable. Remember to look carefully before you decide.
10:49
